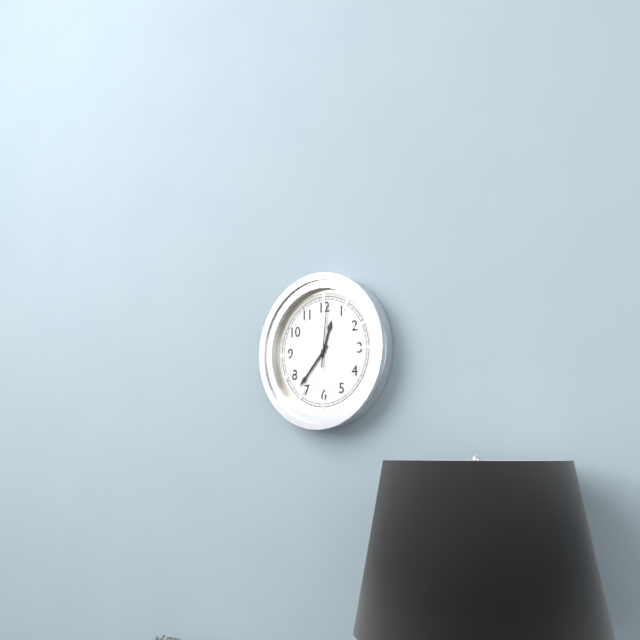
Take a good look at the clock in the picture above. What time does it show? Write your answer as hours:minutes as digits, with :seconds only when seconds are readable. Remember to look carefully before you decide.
12:37:01
